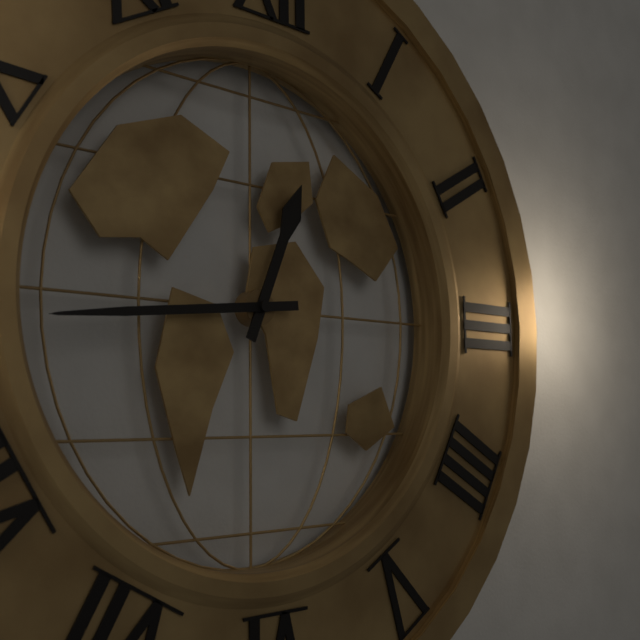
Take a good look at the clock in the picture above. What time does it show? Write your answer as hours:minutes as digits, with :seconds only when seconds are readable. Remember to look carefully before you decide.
12:44
